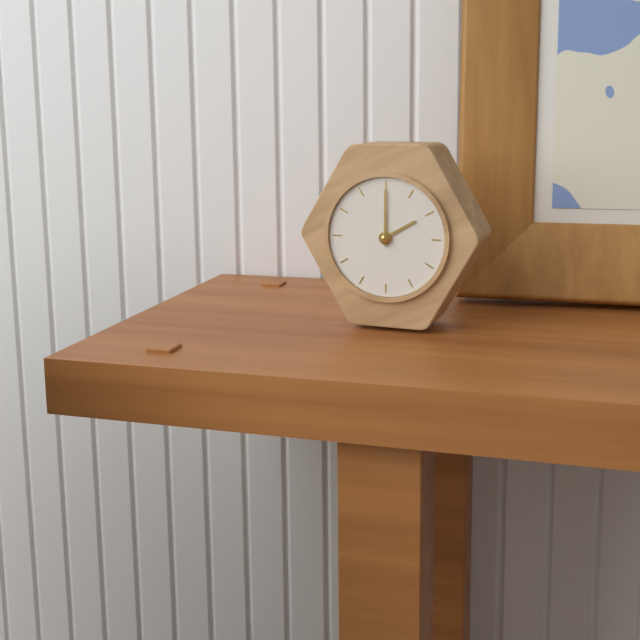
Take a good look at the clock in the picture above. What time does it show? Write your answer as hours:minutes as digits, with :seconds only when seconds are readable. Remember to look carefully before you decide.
2:00
